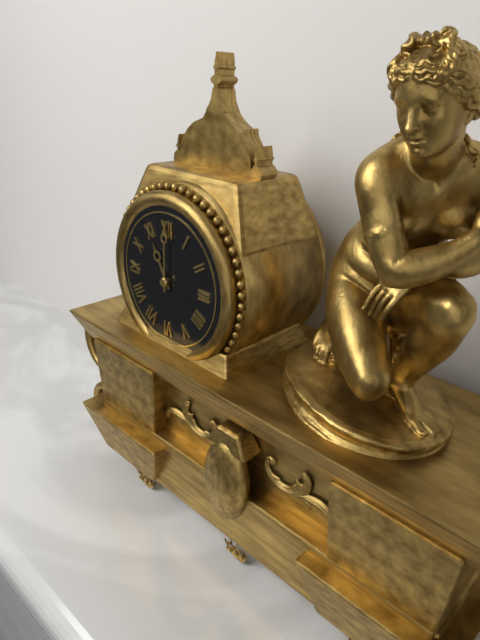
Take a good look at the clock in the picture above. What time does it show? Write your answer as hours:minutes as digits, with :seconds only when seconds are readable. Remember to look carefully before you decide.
11:00
